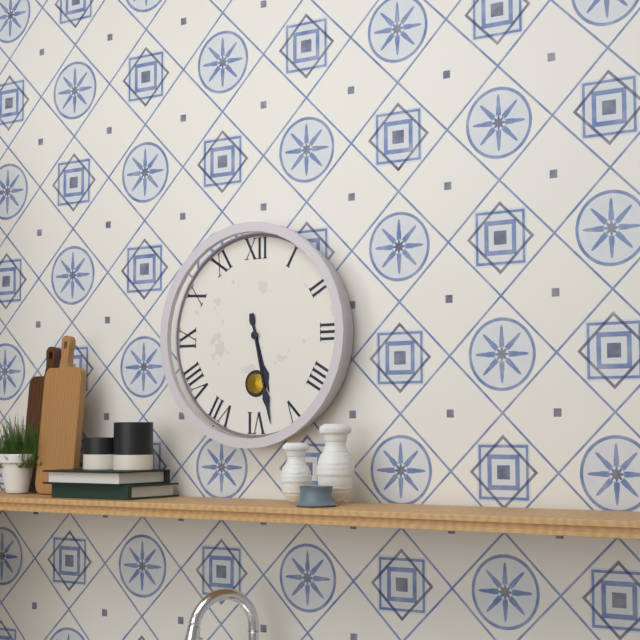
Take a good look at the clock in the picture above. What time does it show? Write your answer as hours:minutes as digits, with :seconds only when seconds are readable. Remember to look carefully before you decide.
5:28
